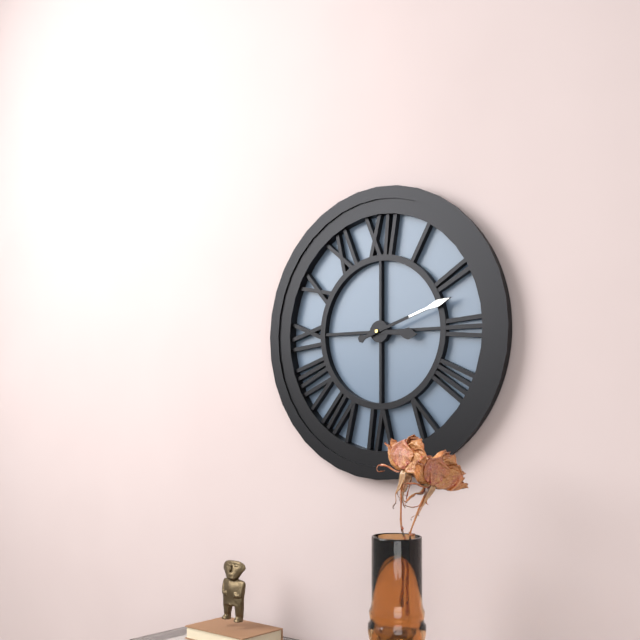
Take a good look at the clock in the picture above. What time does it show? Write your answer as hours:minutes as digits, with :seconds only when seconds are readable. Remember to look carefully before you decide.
3:12
